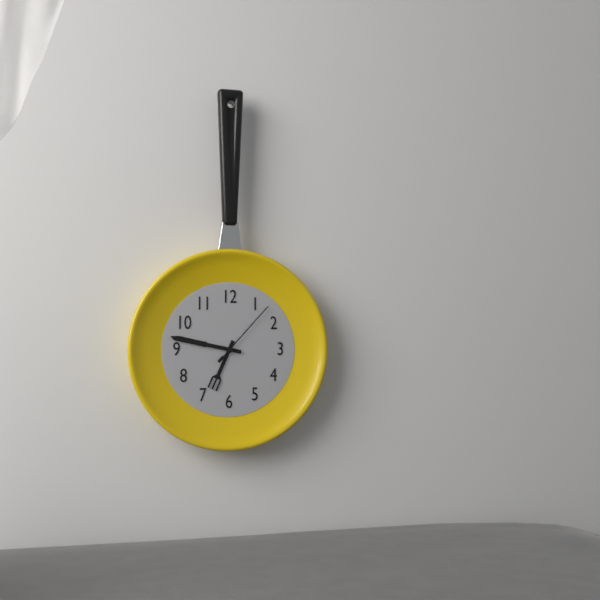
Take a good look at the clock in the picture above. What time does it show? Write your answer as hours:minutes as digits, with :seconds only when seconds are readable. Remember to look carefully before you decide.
6:47:07
